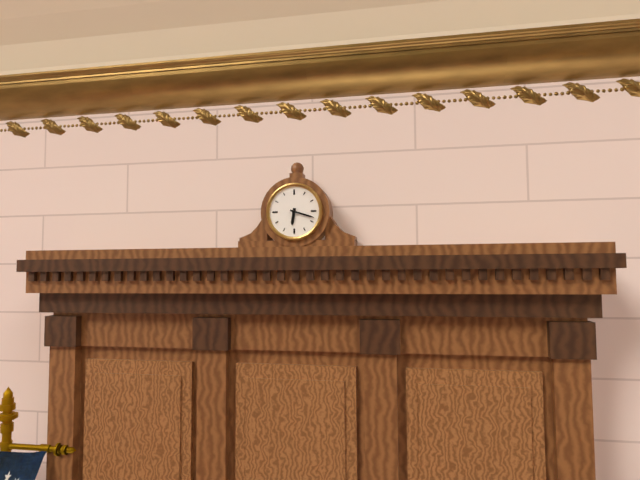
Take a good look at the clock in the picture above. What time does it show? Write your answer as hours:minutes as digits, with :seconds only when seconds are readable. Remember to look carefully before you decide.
6:18
